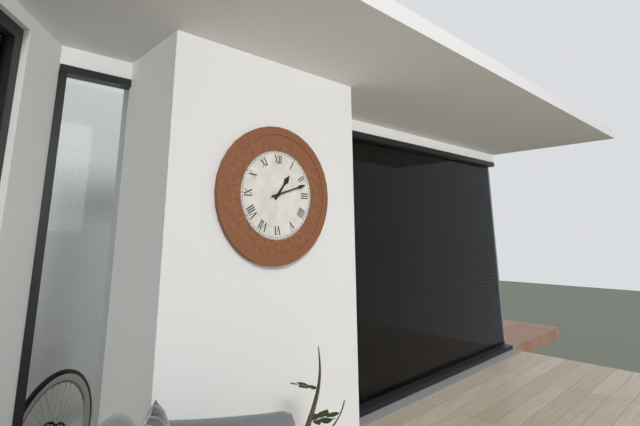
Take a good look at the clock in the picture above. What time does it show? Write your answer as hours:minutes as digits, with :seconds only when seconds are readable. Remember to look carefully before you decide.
1:12
